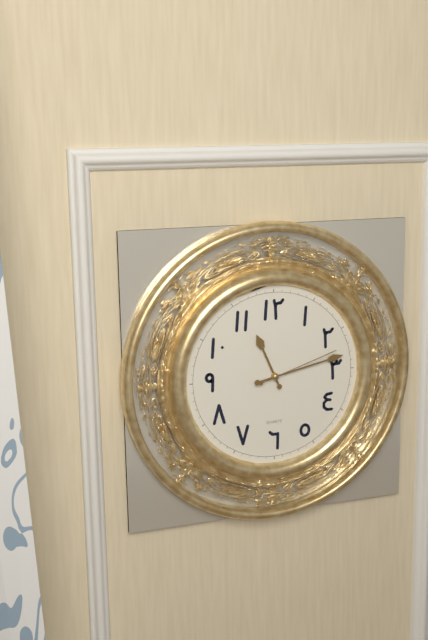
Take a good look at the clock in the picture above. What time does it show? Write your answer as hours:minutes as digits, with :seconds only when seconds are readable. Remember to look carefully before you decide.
11:13:12
